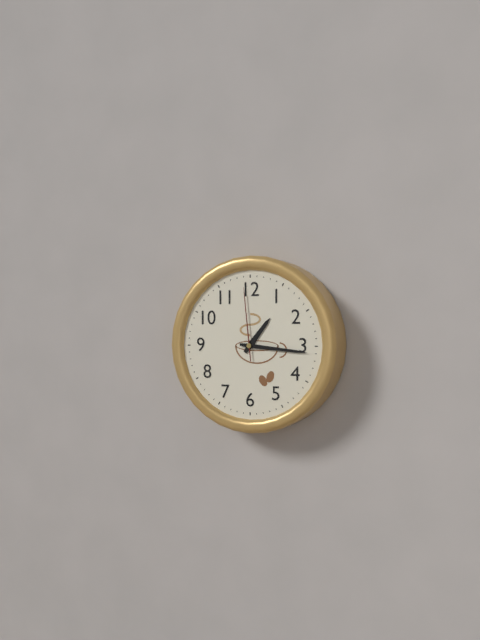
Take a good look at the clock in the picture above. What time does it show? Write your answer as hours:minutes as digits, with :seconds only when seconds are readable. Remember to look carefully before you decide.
1:16:59
